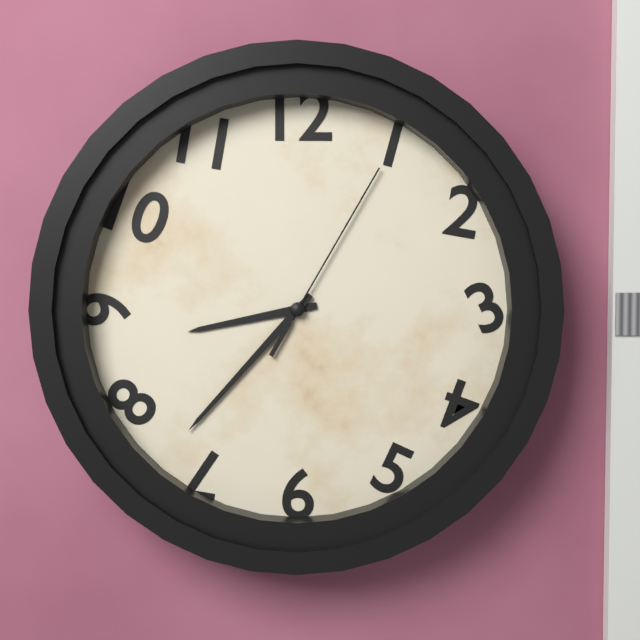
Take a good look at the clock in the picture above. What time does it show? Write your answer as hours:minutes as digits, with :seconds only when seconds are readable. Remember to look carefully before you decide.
8:37:05
